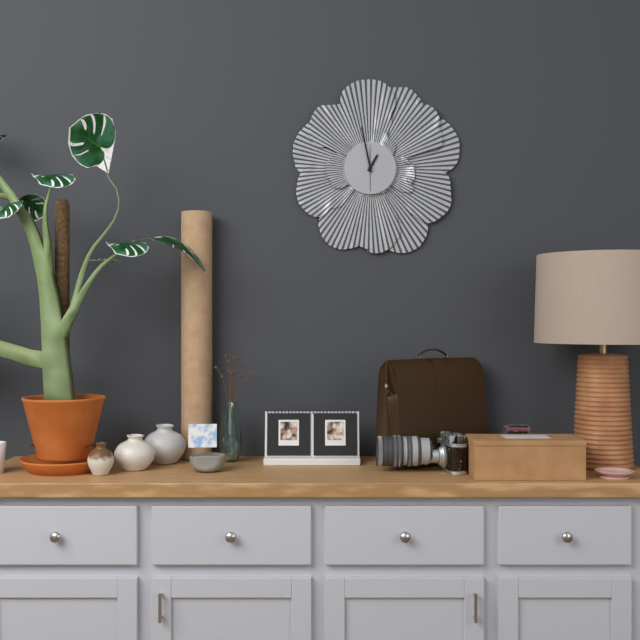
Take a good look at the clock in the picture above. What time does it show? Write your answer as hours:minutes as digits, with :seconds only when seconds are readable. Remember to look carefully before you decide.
12:58
